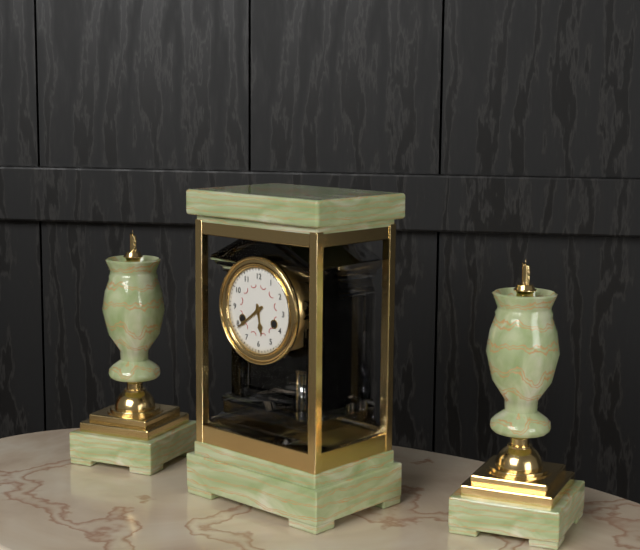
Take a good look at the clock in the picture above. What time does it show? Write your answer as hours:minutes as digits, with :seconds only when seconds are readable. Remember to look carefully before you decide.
5:39
